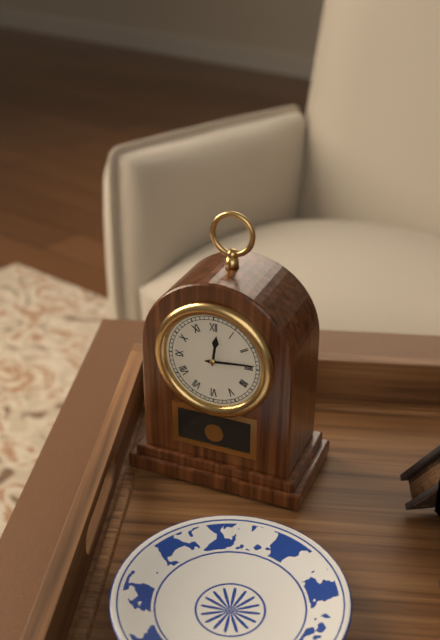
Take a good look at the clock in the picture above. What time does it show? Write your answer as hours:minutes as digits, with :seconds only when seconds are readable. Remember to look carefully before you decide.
12:14
